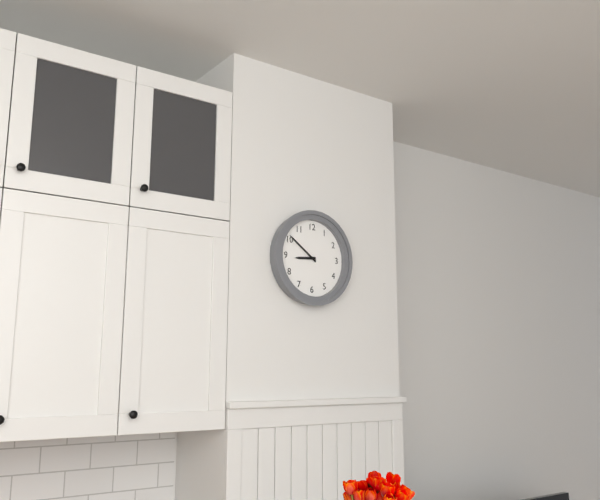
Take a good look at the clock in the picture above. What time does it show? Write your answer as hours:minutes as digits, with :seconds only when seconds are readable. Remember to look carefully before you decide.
8:51
